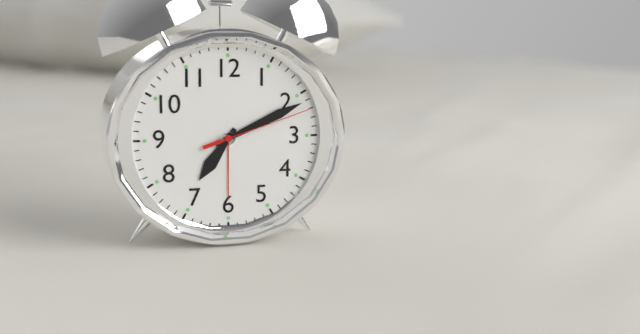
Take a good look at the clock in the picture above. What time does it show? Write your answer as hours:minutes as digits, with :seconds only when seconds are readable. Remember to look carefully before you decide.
7:11:12
